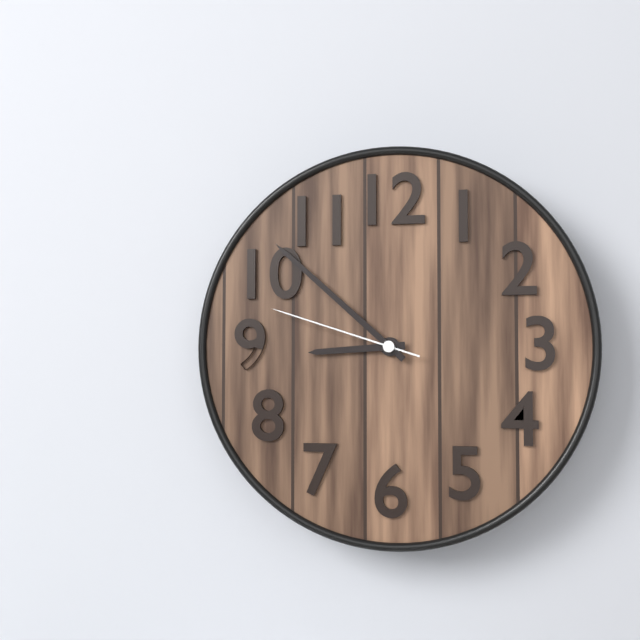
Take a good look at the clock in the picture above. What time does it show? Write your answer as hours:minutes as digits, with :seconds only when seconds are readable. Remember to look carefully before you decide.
8:52:48
